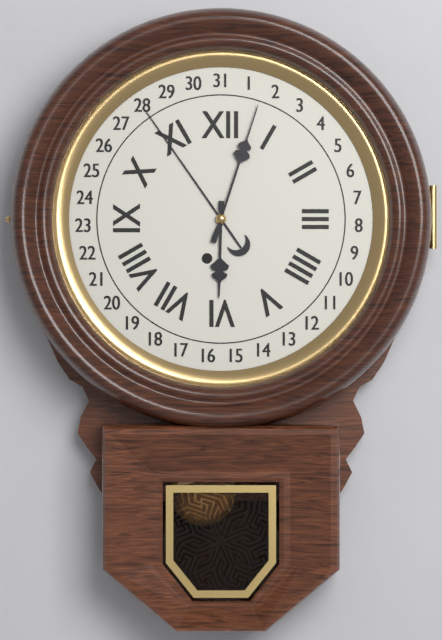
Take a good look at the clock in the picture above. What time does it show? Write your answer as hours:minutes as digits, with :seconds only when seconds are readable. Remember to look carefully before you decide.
6:03
